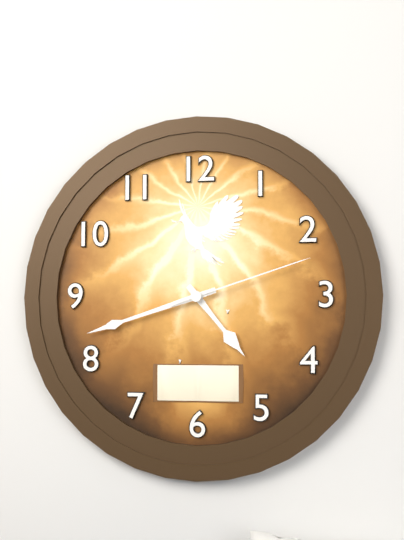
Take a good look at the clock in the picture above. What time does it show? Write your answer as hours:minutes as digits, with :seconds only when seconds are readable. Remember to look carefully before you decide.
4:42:12
